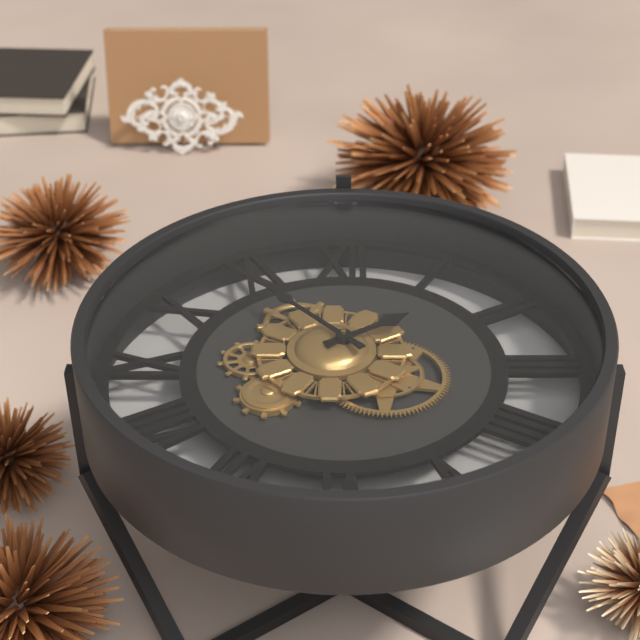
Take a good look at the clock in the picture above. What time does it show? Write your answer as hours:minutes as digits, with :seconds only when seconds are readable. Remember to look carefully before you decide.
1:53
